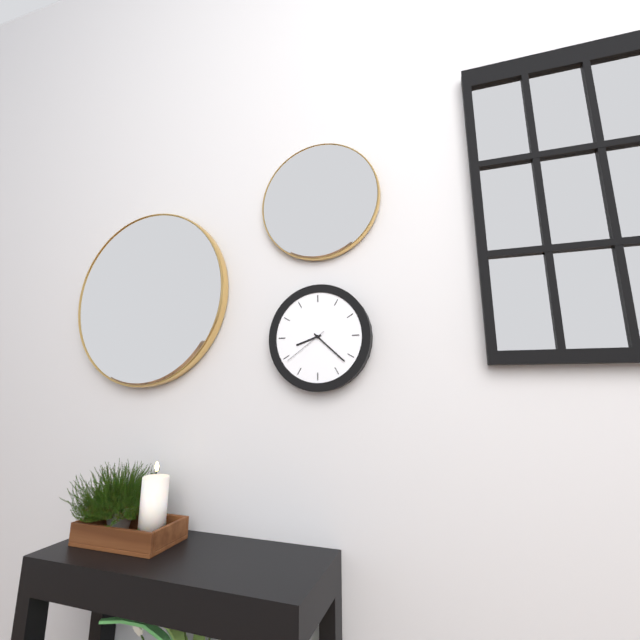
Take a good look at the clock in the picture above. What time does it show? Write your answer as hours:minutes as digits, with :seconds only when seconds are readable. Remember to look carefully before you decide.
8:22
